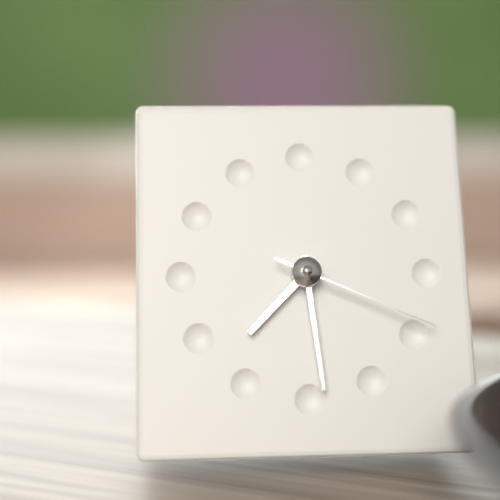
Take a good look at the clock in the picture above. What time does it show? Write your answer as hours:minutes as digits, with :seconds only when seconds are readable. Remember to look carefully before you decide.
7:29:19
